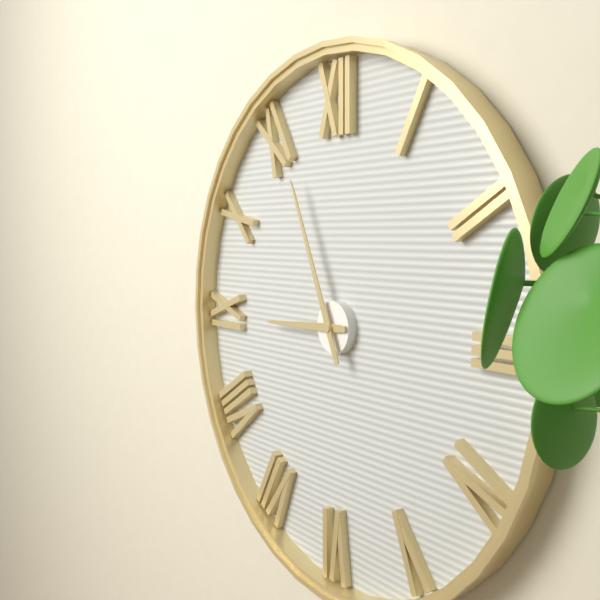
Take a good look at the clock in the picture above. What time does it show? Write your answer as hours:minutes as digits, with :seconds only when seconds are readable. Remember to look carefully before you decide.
8:56
